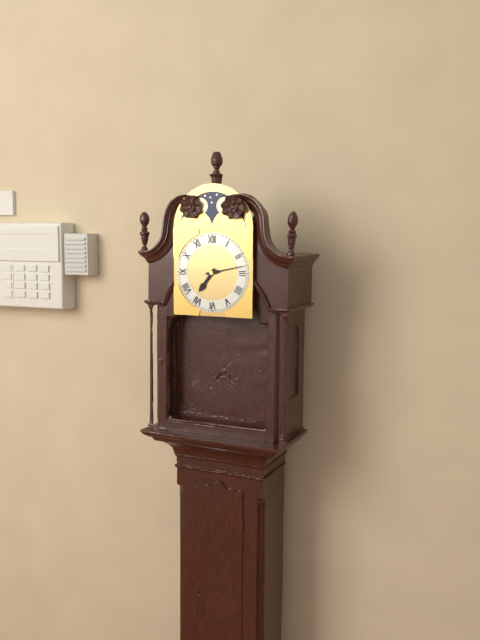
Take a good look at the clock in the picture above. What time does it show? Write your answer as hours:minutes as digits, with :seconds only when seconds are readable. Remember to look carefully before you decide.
7:13
